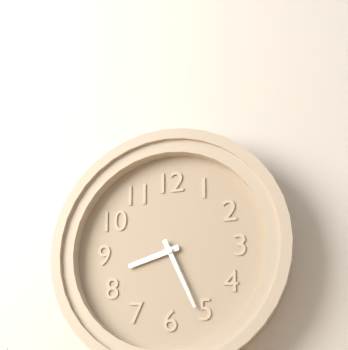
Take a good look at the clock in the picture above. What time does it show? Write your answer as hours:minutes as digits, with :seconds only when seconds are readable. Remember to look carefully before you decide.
8:26
